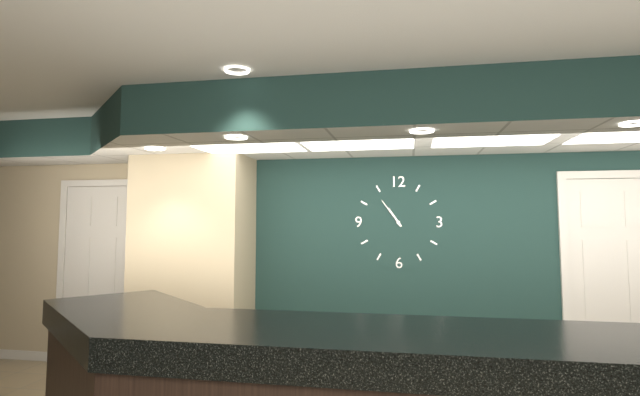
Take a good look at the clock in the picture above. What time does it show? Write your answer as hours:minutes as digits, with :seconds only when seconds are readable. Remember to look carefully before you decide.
10:54
